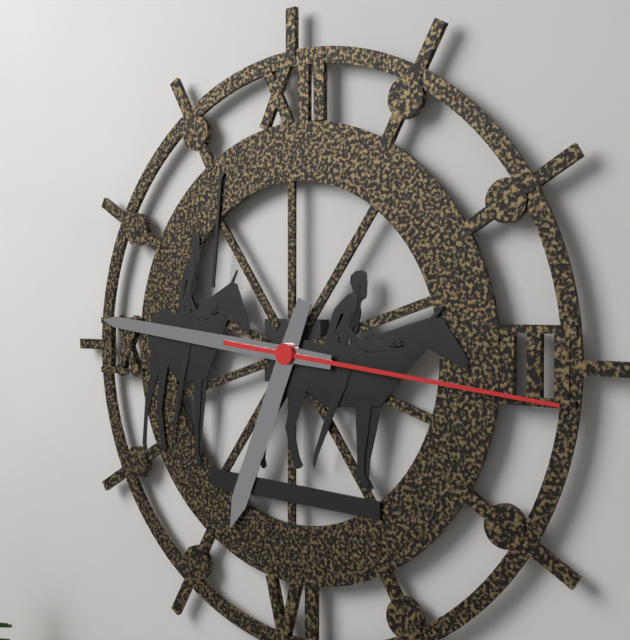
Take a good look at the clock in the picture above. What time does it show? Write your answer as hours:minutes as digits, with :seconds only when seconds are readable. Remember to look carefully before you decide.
6:46:16
